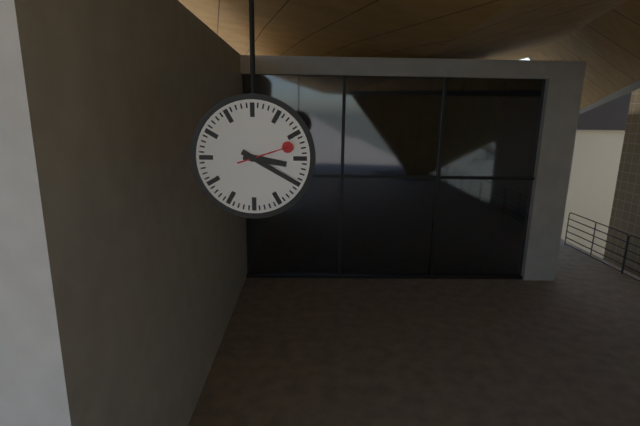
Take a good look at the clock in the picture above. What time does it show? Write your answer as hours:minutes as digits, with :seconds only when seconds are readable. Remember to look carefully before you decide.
3:20:12
